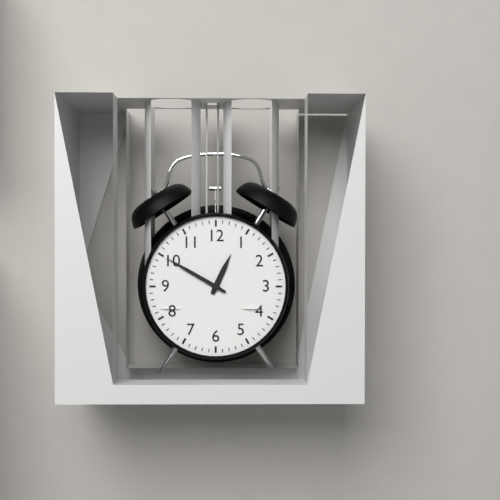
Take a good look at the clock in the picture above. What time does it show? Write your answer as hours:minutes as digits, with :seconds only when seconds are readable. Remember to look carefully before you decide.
12:50
